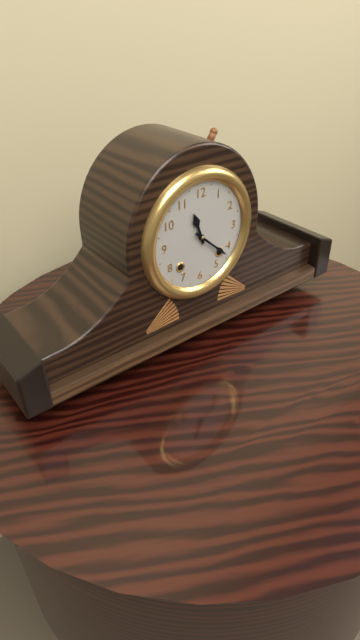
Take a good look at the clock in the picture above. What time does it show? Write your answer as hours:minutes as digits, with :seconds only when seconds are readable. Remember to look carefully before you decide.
11:22
